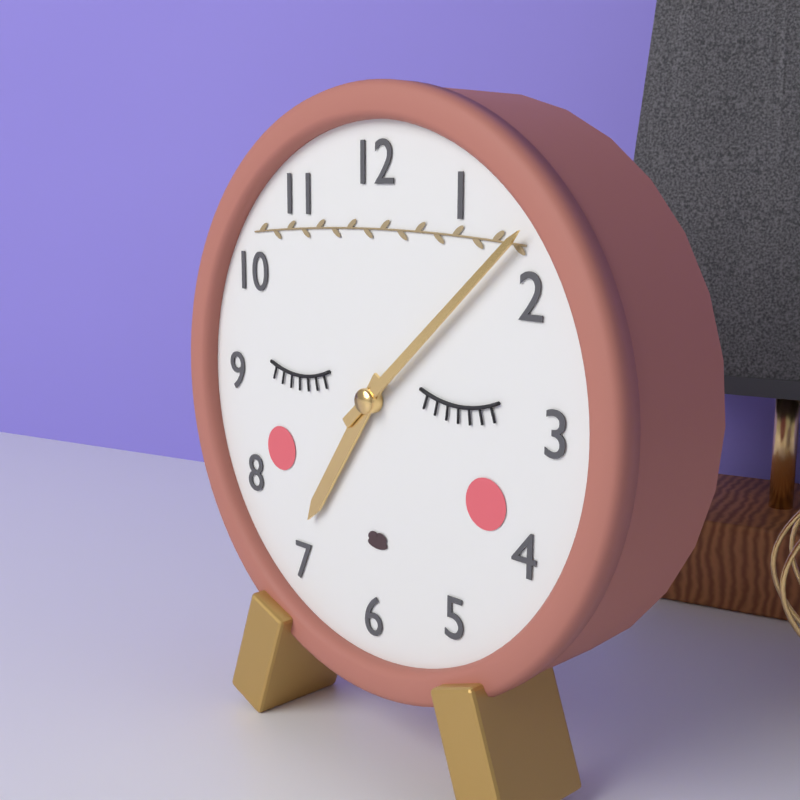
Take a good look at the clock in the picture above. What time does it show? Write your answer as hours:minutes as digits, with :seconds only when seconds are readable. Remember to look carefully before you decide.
7:08
